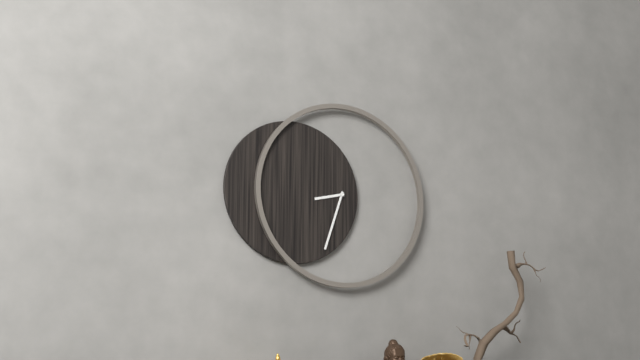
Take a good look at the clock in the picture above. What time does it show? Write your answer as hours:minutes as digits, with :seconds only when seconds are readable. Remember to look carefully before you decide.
8:33
